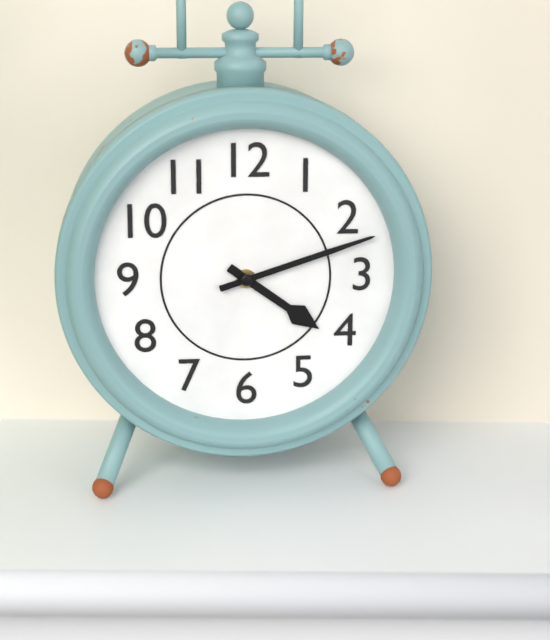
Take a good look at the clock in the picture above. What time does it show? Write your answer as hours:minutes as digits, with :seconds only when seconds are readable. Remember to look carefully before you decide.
4:12
